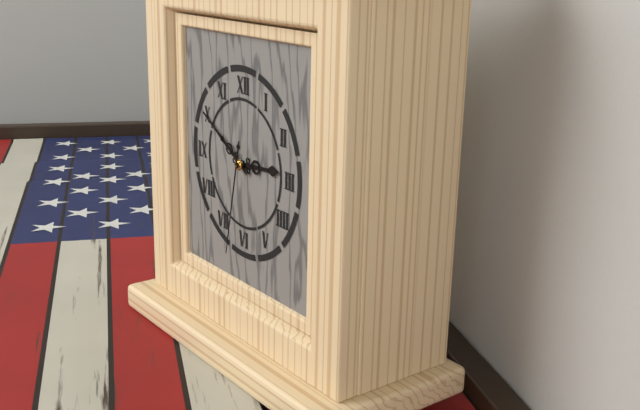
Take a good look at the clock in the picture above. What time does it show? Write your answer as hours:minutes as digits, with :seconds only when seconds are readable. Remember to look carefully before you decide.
2:50:32
